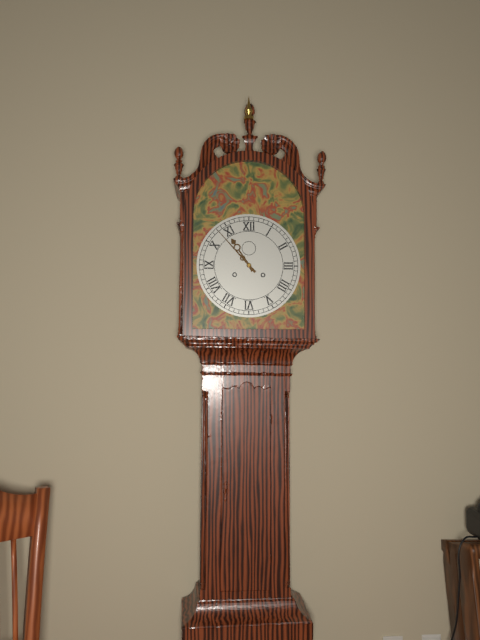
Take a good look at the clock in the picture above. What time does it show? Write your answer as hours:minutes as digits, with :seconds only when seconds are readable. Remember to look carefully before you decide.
10:53
